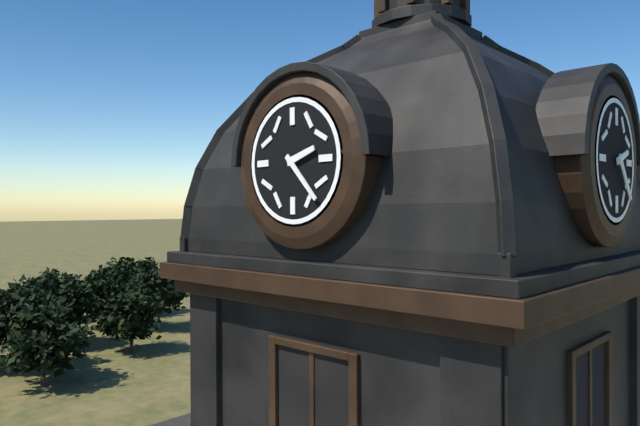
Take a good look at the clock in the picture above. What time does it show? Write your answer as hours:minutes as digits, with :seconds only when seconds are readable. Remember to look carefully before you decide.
2:23
